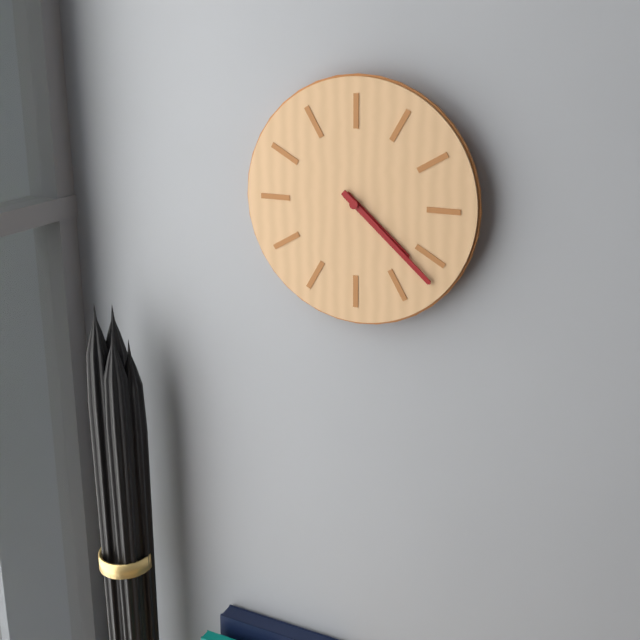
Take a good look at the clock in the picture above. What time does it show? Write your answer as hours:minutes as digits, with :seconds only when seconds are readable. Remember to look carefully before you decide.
4:22
